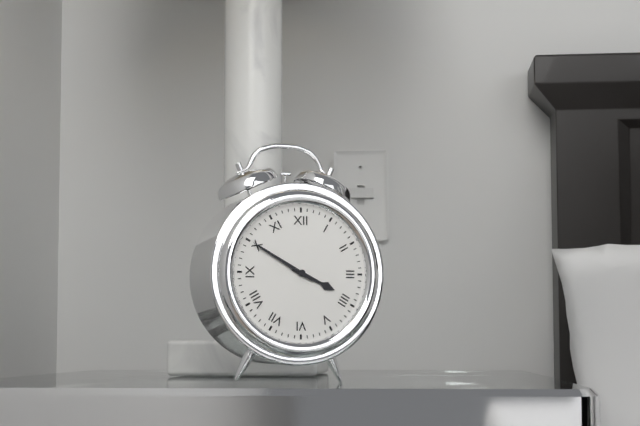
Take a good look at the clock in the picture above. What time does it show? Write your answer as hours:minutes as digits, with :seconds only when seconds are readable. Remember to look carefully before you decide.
3:50
